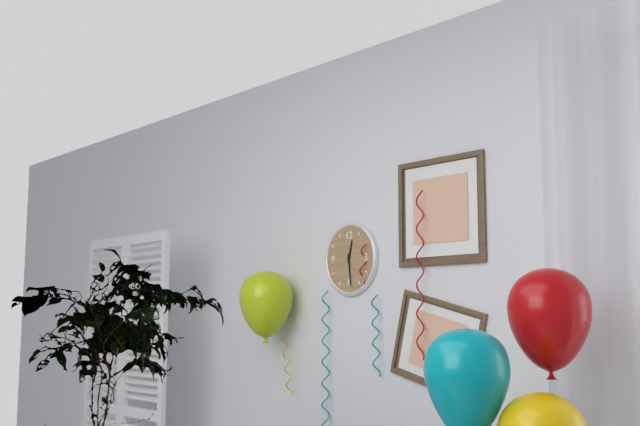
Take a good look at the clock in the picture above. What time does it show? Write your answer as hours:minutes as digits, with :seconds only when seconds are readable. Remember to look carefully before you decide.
12:29
